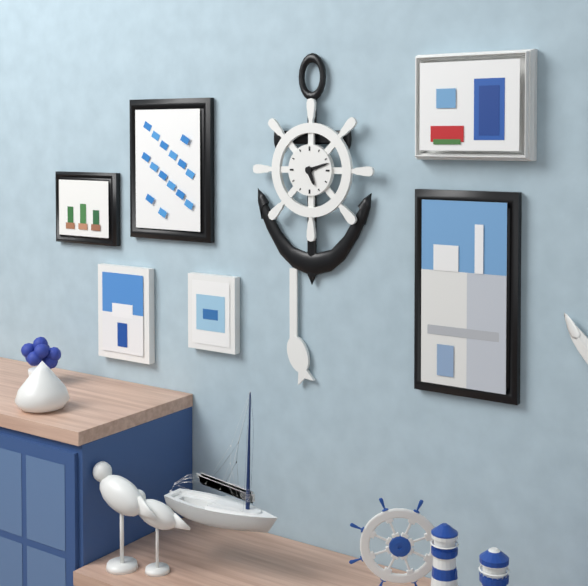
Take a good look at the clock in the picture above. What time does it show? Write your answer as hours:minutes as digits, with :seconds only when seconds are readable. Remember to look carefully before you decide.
5:12
